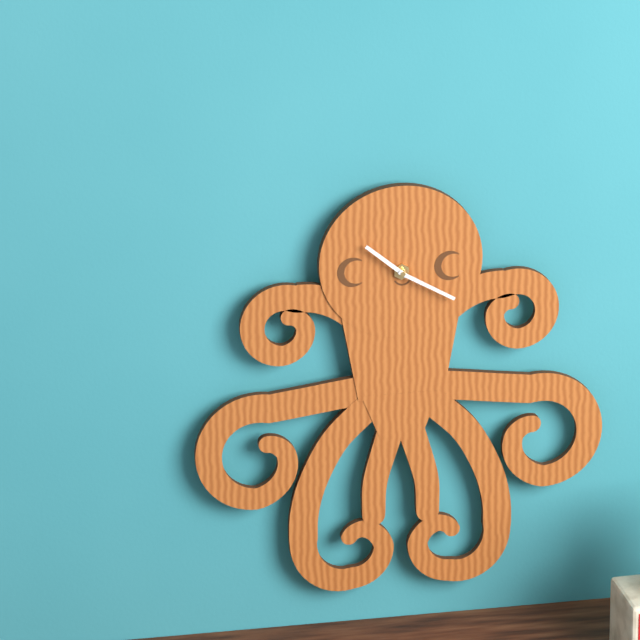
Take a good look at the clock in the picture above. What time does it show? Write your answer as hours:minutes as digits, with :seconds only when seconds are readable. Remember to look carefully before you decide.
10:20
